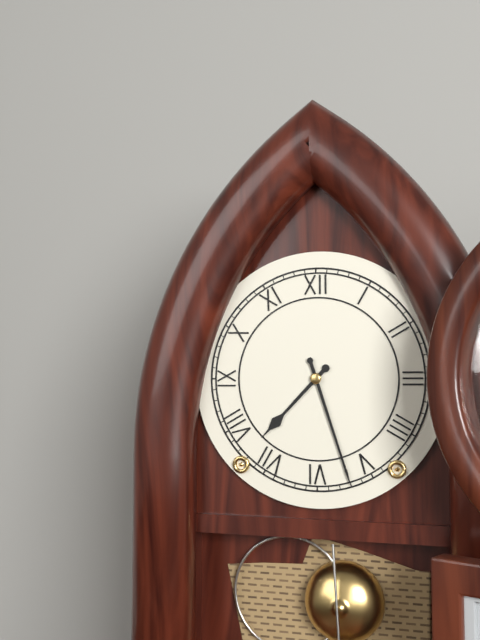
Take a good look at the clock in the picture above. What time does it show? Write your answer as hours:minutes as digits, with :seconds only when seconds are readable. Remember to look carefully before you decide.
7:27
